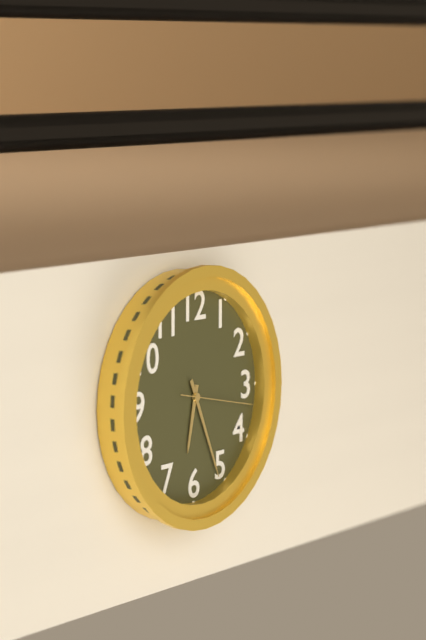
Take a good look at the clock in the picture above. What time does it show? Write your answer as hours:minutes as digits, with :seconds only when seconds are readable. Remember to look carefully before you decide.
6:26:17
